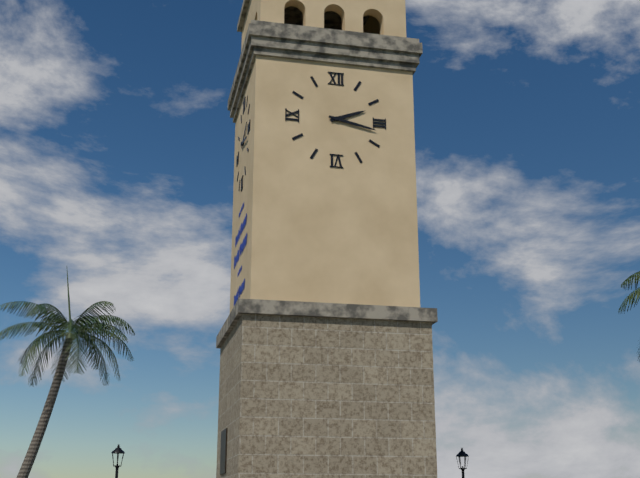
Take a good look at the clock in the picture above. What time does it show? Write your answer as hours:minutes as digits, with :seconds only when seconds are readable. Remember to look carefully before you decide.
2:17
